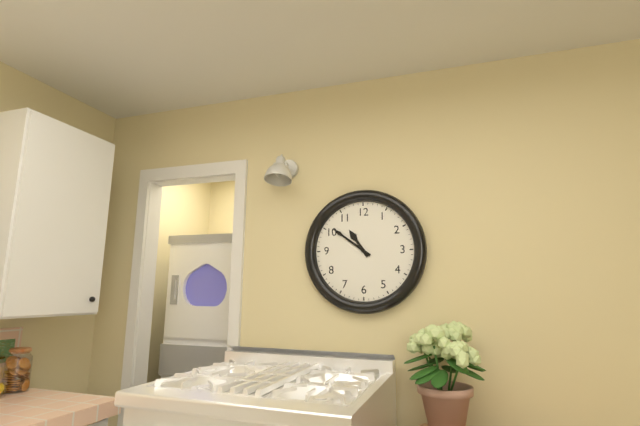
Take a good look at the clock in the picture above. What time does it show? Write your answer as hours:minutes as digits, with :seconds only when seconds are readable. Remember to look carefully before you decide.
10:51
